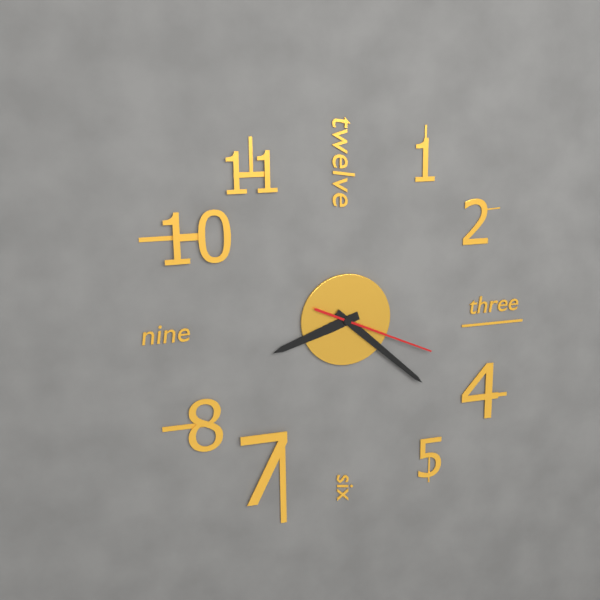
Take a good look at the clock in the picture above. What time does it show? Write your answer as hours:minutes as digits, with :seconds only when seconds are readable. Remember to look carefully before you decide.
8:22:19
